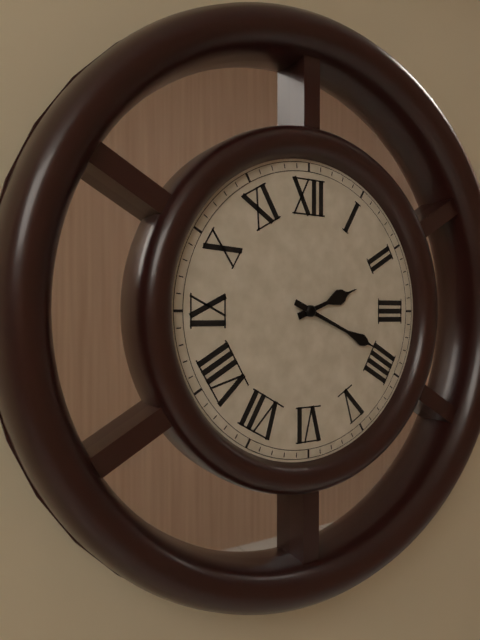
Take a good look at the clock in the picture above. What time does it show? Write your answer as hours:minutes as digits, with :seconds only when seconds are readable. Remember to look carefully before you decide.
2:19
